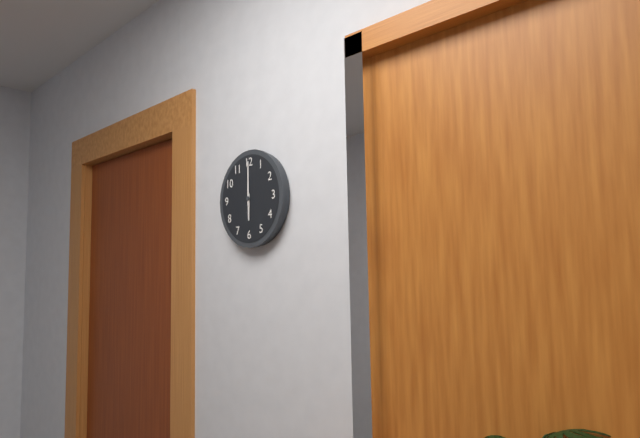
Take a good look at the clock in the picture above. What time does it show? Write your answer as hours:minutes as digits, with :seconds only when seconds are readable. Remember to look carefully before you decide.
6:00
